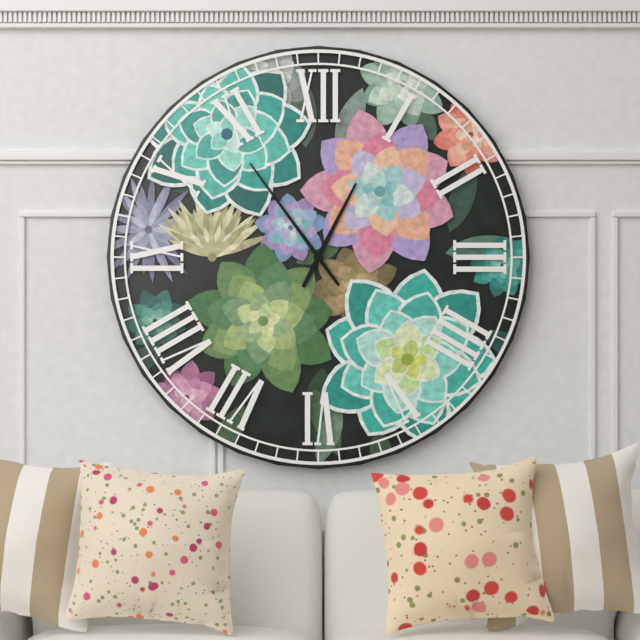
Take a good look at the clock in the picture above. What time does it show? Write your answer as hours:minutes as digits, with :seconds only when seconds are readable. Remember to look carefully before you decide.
12:54
